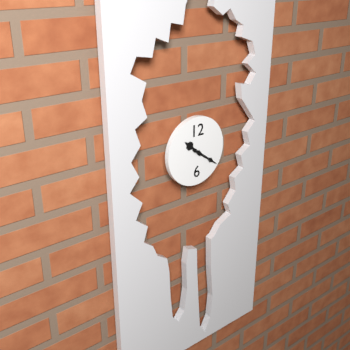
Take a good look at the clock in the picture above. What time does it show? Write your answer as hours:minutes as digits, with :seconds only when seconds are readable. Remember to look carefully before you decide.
10:21
